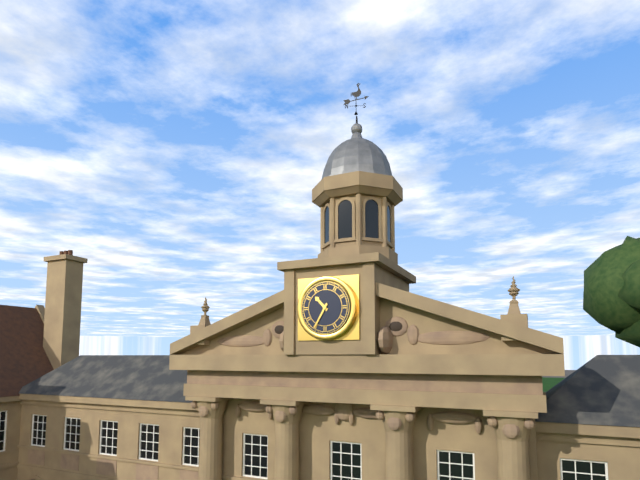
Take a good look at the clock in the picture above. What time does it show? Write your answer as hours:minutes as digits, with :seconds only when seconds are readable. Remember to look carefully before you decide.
10:35
